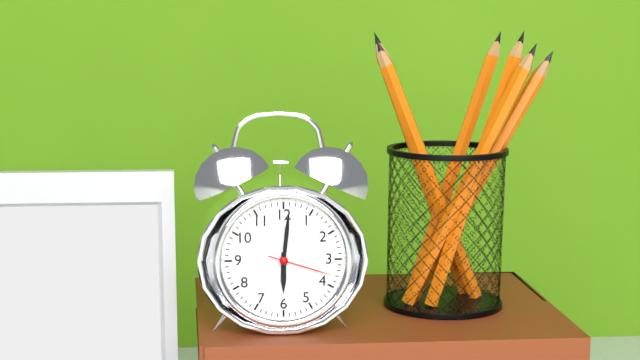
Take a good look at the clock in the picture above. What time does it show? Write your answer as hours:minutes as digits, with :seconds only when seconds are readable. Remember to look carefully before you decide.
6:01:18
